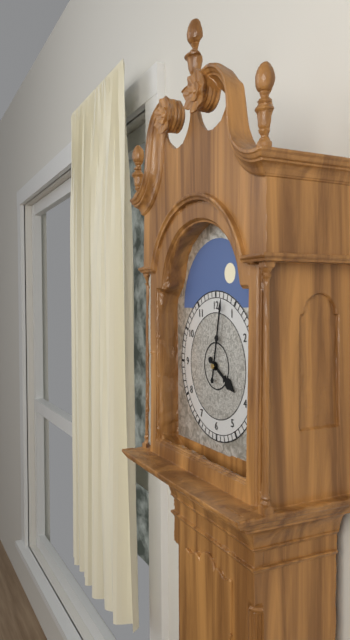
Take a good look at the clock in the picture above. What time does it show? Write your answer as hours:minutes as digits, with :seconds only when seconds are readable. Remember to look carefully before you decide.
4:02
